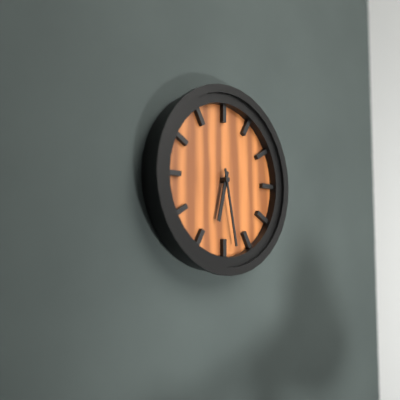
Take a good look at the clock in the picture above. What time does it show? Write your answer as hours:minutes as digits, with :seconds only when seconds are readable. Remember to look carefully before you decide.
6:28
